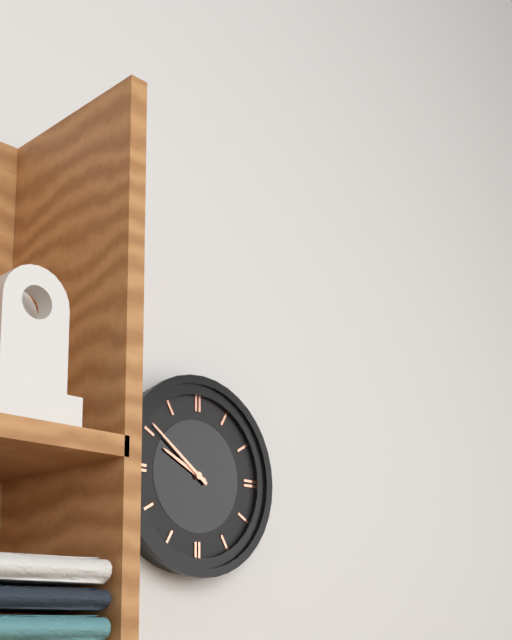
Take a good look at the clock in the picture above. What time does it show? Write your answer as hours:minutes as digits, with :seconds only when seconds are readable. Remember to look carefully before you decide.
9:51
